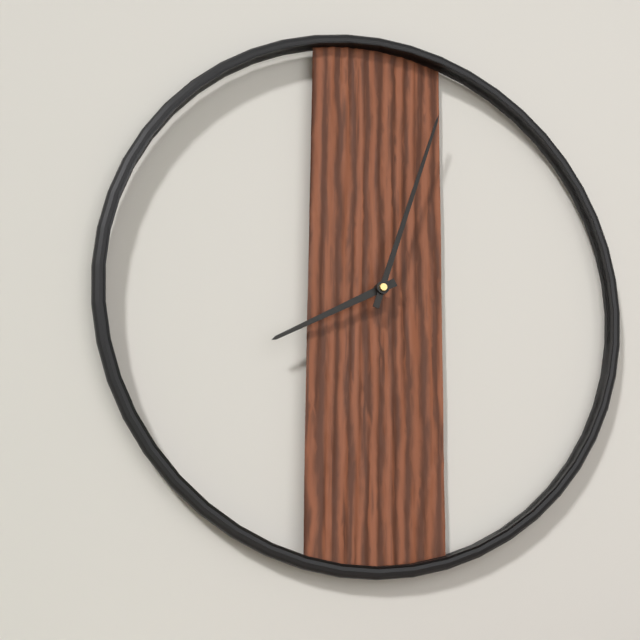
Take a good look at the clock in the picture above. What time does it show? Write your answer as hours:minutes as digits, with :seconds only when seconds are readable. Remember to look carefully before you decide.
8:03
